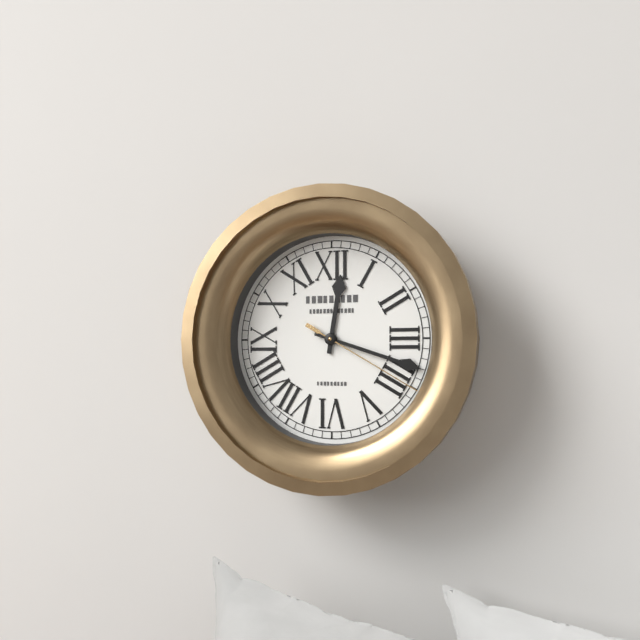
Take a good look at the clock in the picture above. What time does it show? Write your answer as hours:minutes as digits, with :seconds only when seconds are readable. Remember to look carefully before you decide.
12:18:20
